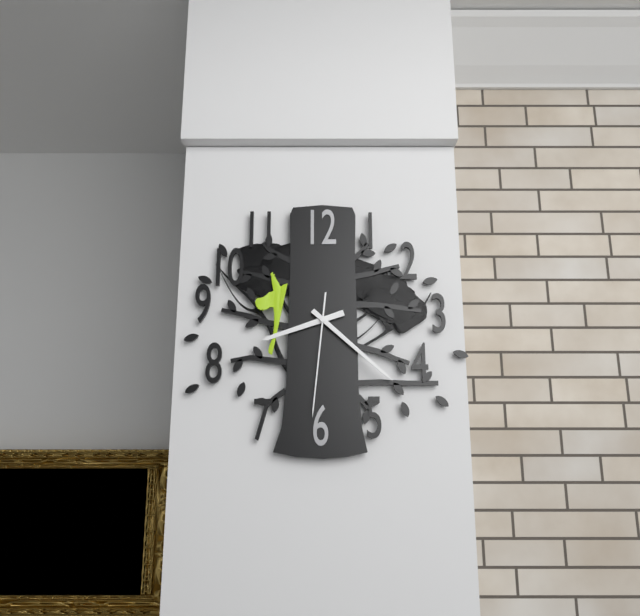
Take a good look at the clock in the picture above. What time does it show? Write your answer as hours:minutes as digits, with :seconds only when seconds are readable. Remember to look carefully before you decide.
8:22:31
